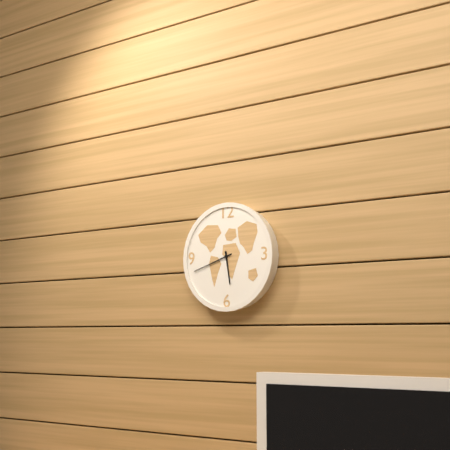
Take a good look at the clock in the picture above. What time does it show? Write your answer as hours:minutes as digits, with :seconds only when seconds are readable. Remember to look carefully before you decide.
5:42
